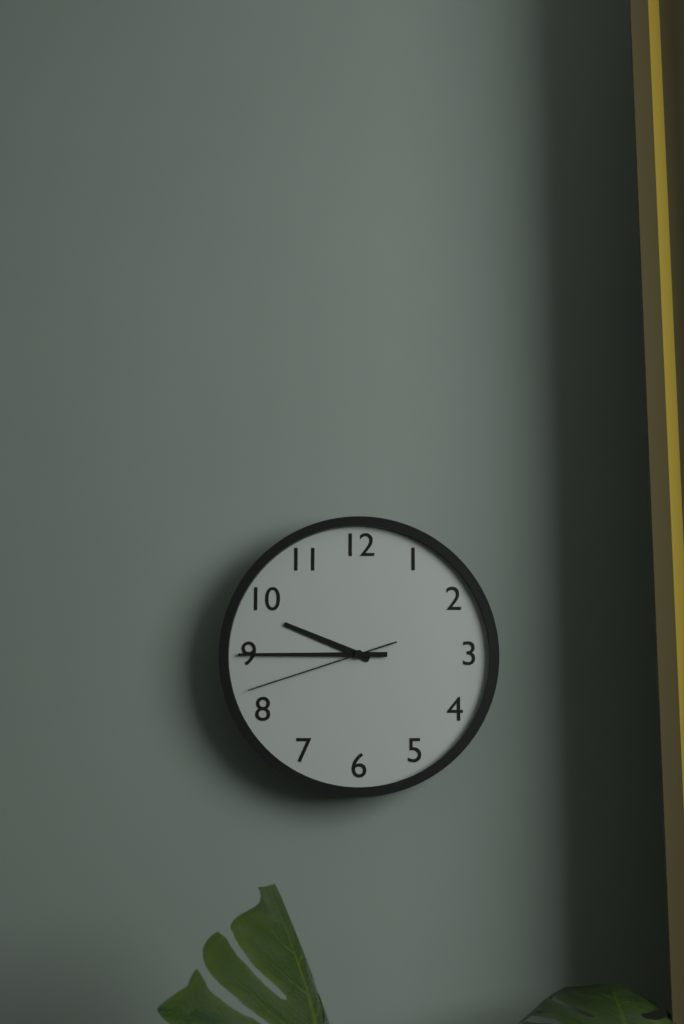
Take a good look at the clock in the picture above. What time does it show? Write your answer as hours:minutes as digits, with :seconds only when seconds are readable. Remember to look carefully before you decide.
9:45:42
